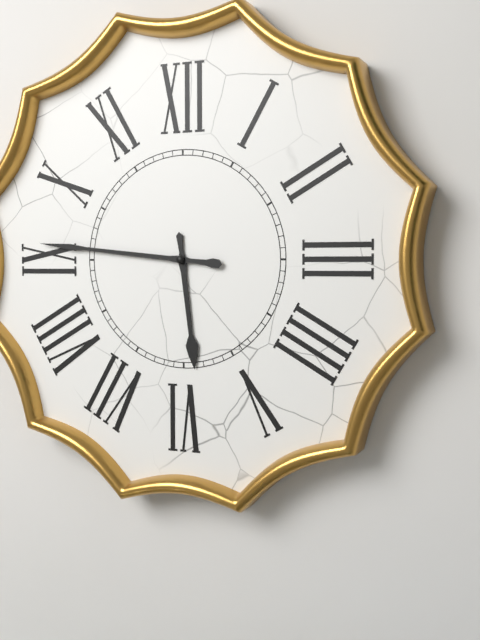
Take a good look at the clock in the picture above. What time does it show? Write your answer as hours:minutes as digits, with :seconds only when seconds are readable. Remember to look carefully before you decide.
5:46
